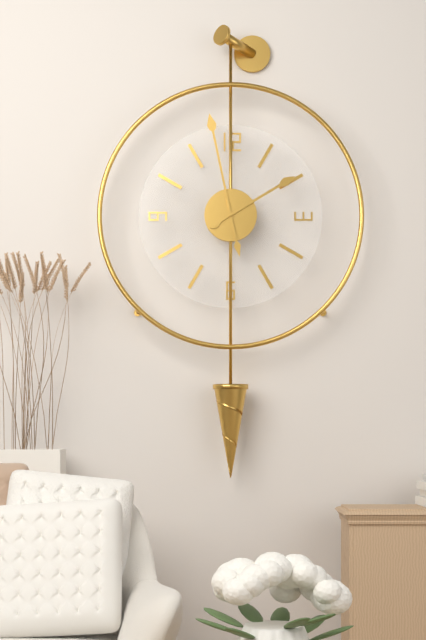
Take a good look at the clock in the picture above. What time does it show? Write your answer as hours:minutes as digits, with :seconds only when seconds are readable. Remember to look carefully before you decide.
1:58
